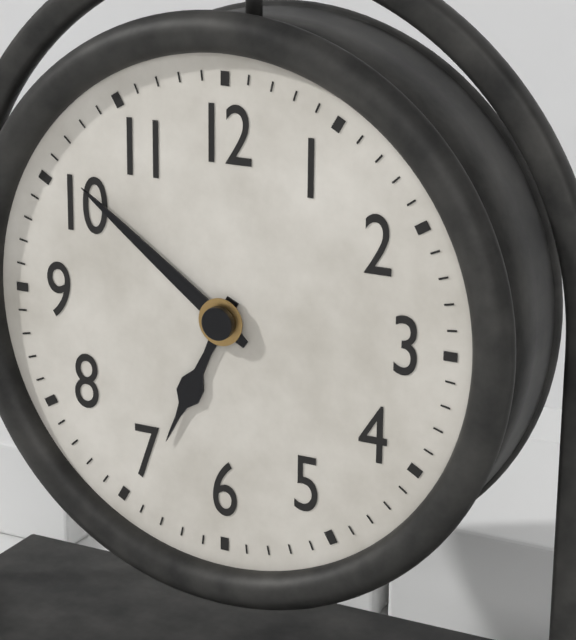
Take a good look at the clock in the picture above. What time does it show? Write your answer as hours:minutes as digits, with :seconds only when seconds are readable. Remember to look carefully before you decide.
6:51
